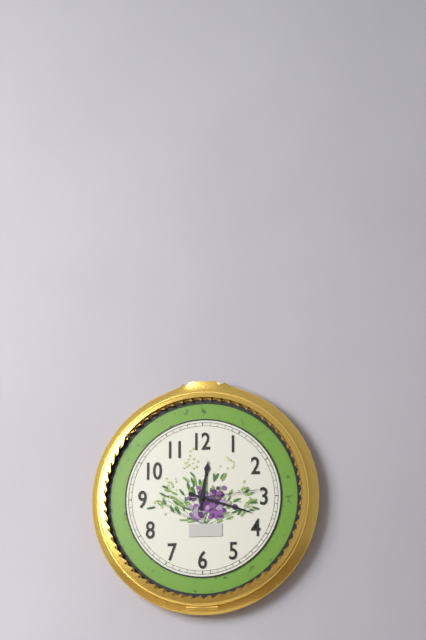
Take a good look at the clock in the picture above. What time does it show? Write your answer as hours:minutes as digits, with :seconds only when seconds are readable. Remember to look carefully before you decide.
12:18:14
